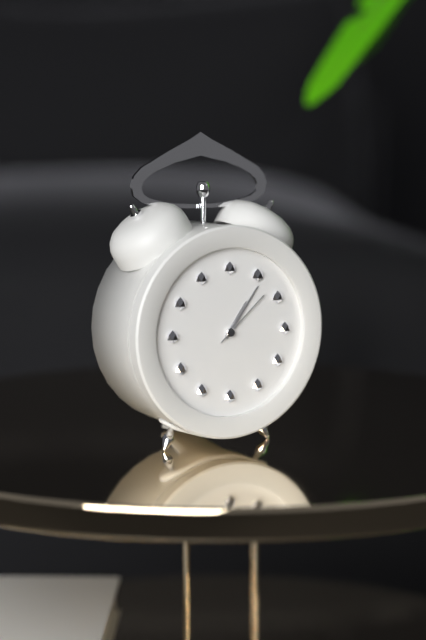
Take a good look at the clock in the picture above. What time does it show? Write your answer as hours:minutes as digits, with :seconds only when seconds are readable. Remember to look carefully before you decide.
1:06:08
